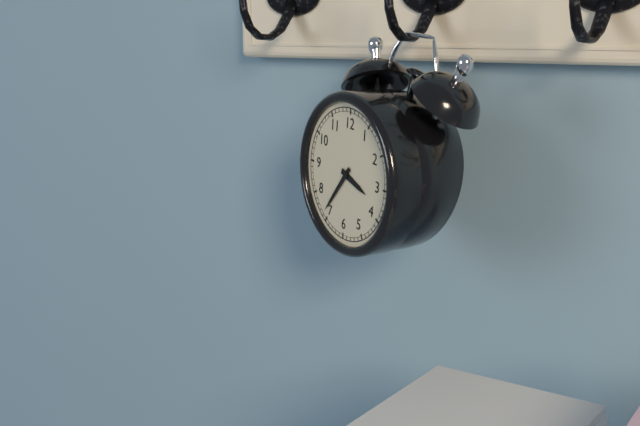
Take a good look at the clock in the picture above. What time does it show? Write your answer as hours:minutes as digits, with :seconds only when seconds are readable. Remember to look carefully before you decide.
3:36
